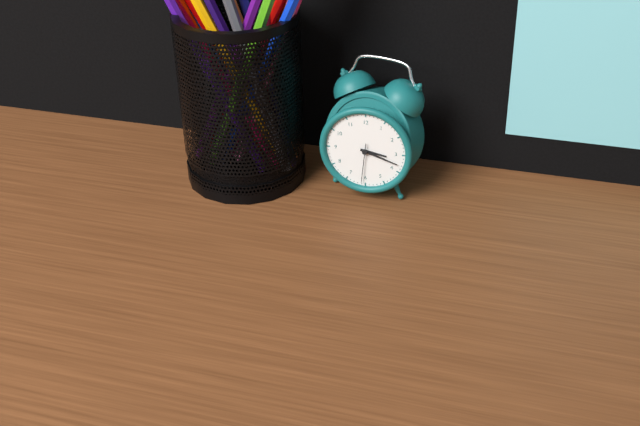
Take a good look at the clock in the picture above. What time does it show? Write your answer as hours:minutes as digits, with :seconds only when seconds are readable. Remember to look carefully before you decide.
3:18
